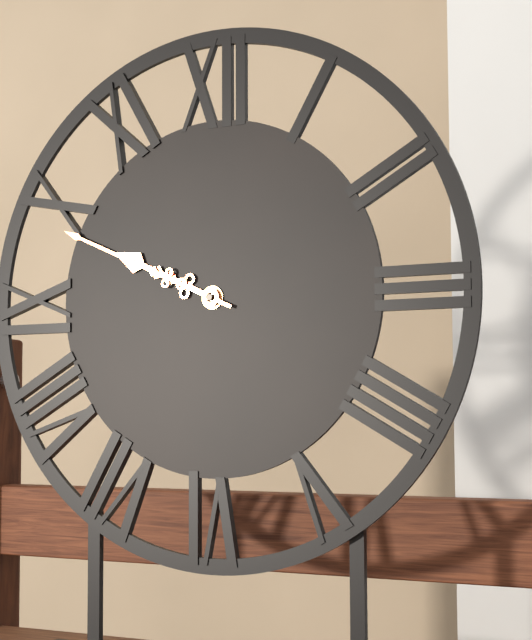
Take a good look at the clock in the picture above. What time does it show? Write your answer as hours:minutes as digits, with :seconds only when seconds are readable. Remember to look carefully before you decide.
9:49
